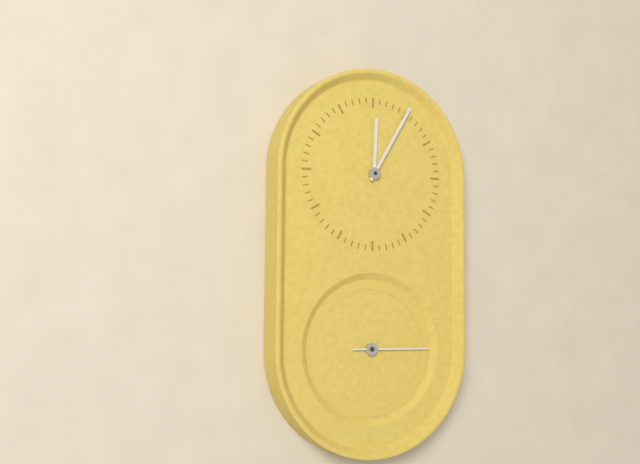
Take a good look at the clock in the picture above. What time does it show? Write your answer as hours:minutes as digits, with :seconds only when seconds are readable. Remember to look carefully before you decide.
12:05:15
